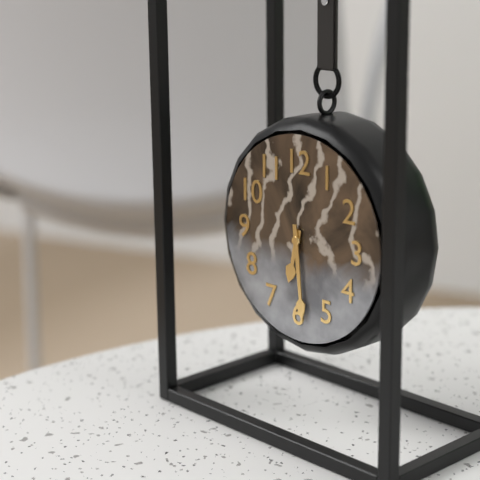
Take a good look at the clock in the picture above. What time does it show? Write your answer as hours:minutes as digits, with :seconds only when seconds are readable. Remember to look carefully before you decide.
6:29
